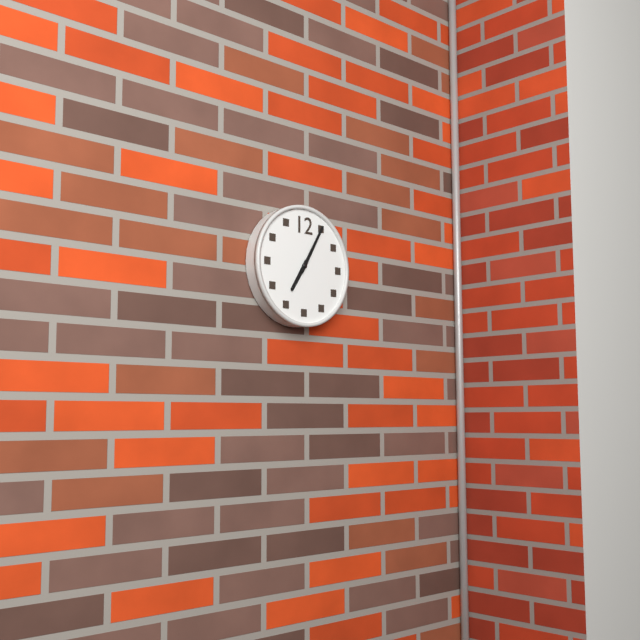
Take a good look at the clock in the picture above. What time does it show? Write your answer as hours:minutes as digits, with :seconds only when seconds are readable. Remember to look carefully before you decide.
7:05
